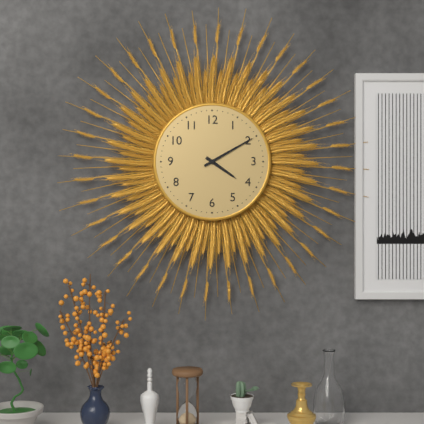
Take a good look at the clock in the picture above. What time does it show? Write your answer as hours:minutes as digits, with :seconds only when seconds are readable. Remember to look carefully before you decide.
4:10
